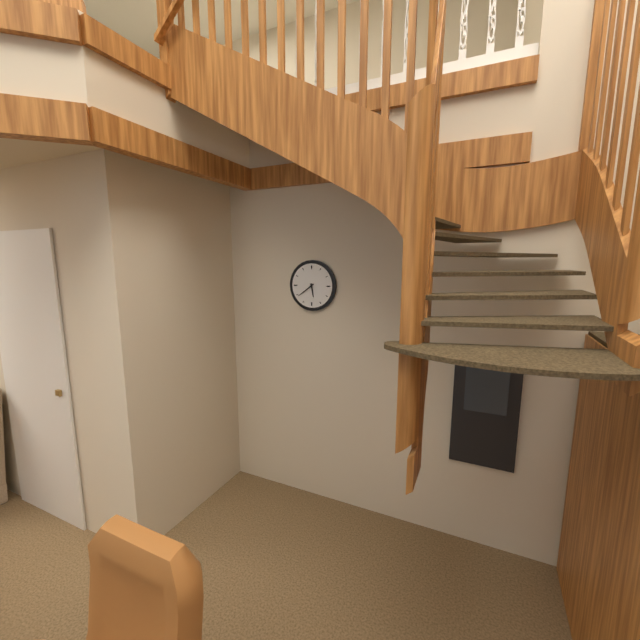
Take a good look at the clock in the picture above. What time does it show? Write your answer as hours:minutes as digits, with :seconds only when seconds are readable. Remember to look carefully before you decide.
5:39
